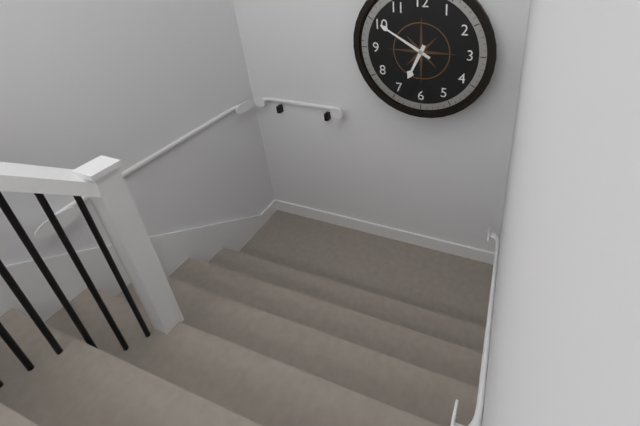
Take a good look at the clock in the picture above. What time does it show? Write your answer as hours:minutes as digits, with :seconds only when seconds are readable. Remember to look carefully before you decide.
6:50
